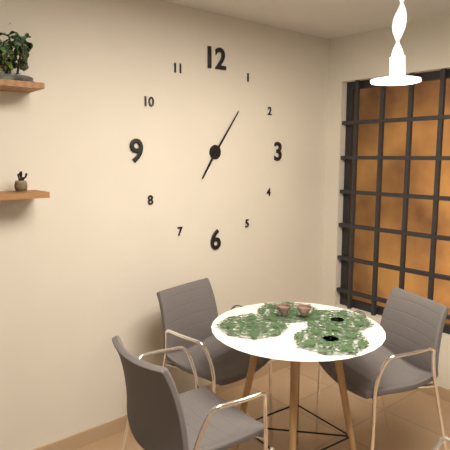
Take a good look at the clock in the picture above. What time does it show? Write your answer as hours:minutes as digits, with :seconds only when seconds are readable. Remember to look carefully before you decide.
7:06
